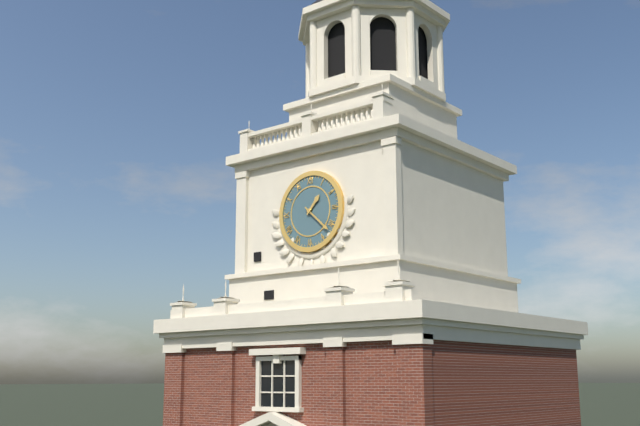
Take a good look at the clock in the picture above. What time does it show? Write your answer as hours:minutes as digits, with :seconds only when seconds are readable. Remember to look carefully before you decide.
1:22
